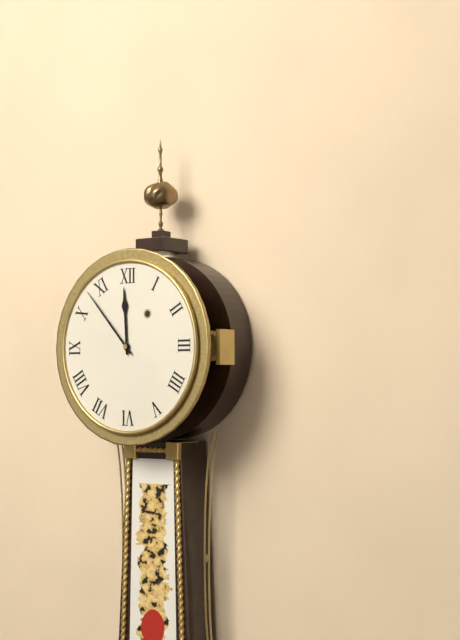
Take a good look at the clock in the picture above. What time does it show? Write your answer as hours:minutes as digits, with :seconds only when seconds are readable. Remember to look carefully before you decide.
11:53
